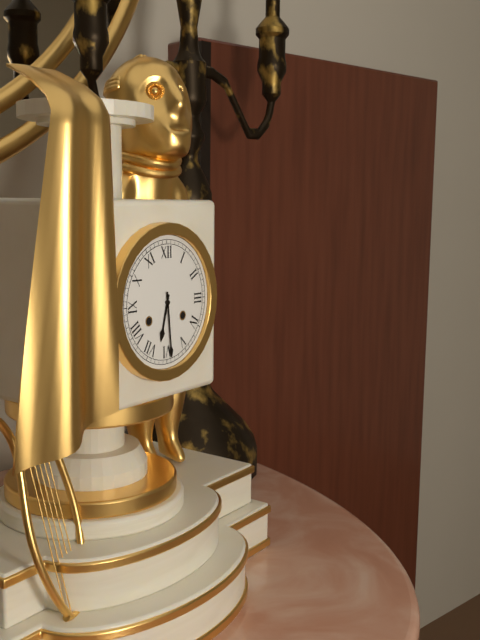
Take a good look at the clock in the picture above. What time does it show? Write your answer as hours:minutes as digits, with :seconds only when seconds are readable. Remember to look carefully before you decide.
6:29
